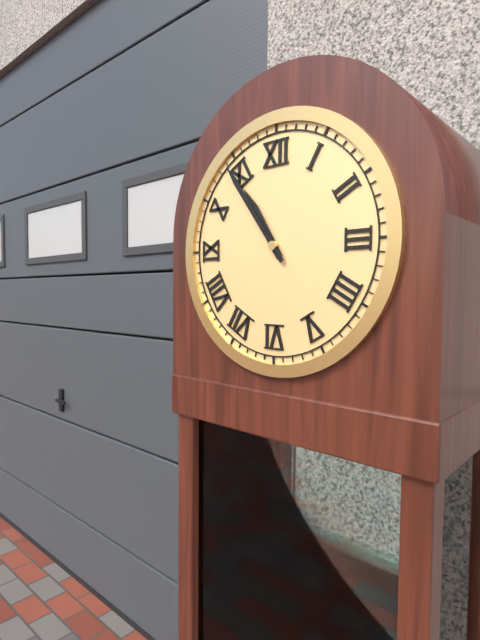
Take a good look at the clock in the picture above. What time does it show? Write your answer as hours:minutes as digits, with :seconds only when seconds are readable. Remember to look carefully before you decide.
10:54
